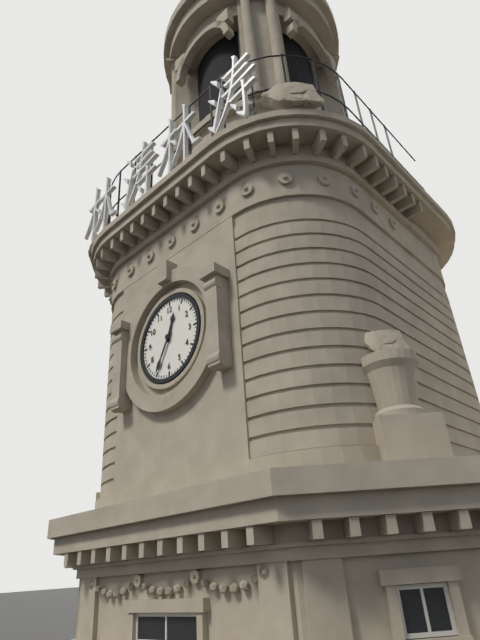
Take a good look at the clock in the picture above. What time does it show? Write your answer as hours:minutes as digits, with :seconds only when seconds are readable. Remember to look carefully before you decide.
12:35
